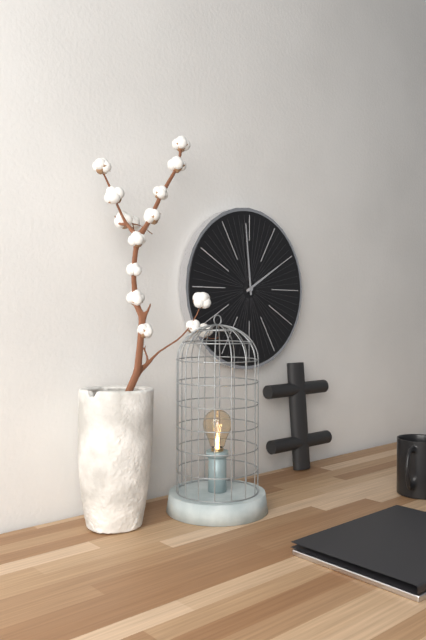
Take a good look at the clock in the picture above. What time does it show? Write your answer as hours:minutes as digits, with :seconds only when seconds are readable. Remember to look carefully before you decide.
1:59
